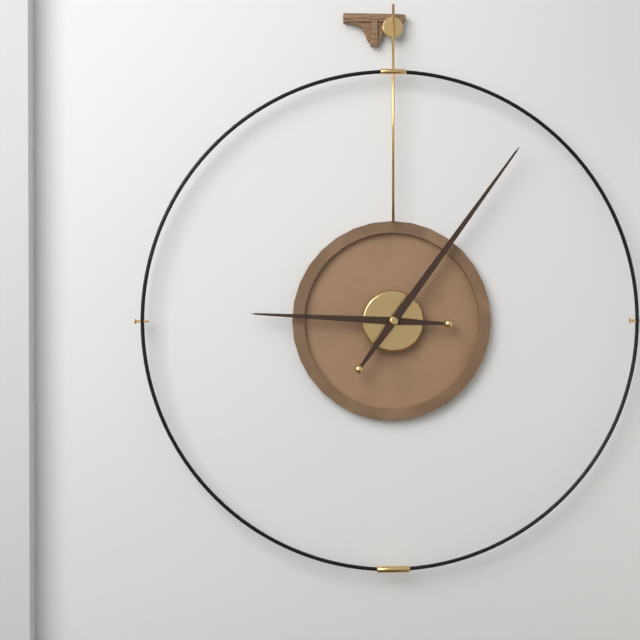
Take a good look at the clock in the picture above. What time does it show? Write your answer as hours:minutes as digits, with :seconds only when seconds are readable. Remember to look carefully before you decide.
9:06
